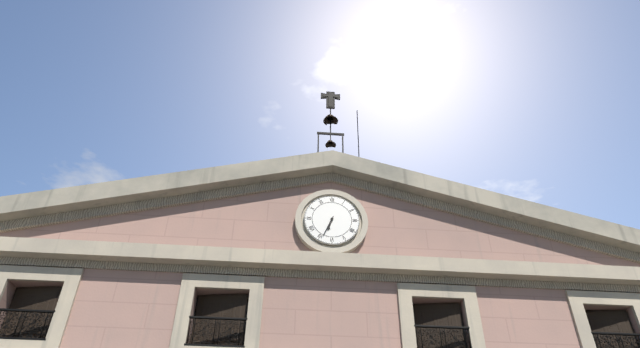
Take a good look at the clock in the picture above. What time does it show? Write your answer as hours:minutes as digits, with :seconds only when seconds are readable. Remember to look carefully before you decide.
6:34
